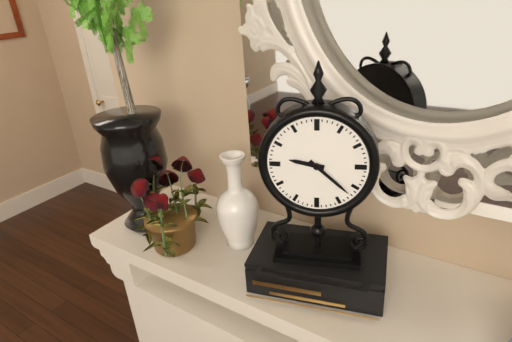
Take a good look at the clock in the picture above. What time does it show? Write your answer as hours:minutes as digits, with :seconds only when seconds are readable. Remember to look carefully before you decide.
9:22
